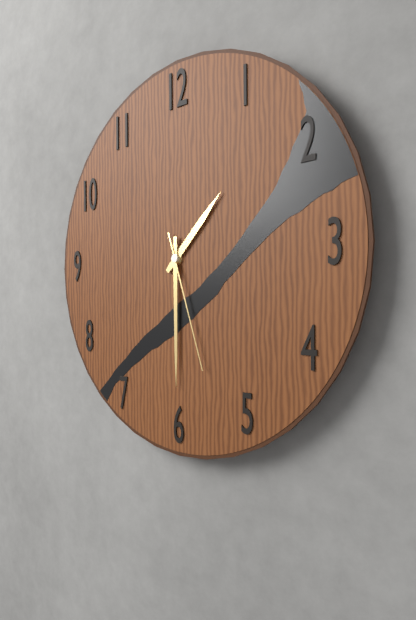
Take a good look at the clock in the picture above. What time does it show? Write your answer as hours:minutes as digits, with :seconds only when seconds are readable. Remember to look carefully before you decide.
1:30:27
